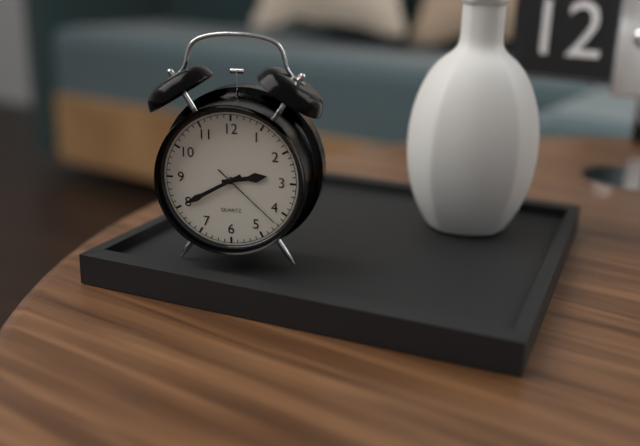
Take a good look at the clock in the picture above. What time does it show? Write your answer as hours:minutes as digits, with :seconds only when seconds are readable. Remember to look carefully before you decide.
2:40:22
